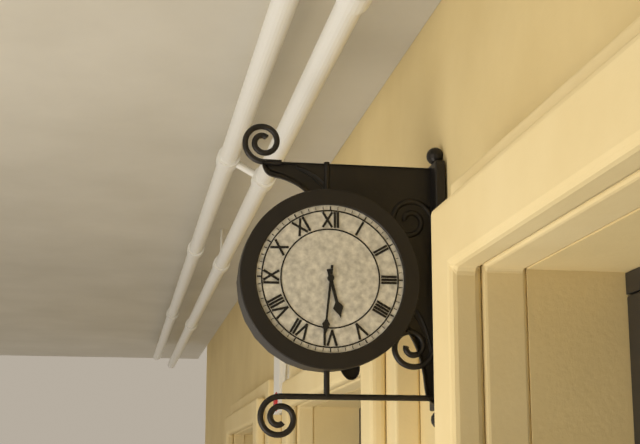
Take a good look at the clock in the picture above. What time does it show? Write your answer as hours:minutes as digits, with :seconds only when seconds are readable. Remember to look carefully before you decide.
5:31
